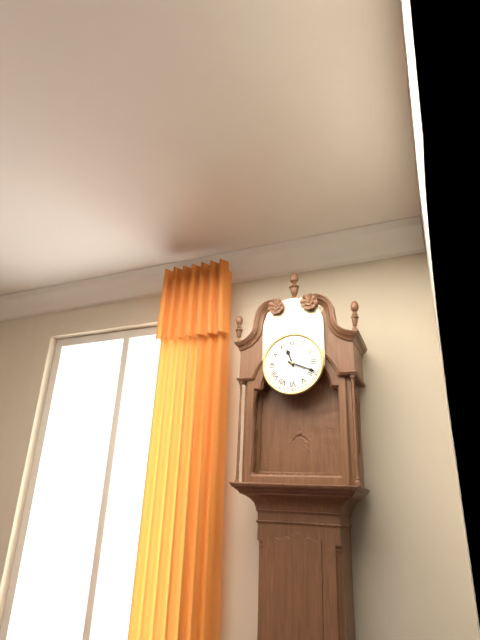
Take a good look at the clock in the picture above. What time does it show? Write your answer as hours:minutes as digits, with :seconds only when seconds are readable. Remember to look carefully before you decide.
11:19
